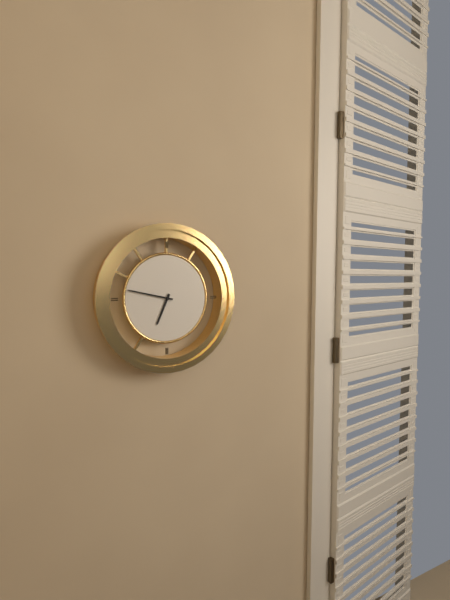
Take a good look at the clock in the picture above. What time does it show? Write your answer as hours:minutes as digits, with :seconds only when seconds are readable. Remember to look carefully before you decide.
6:47
